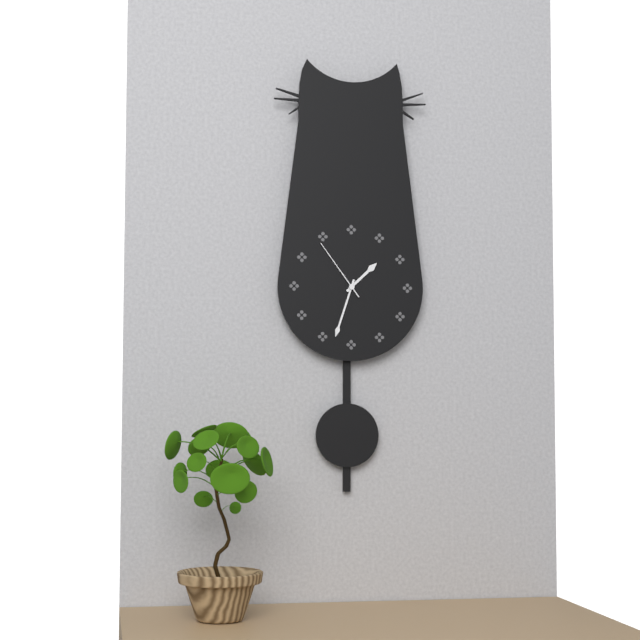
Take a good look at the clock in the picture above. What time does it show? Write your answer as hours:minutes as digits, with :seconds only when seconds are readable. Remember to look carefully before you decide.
1:33:54
